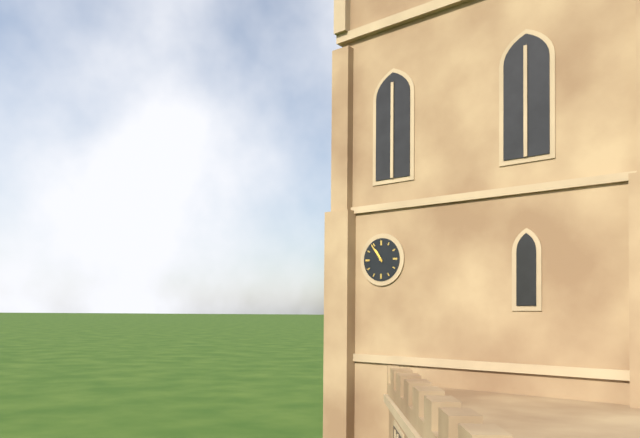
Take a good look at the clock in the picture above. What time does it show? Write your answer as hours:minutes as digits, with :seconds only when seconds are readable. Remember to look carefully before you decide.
10:54
